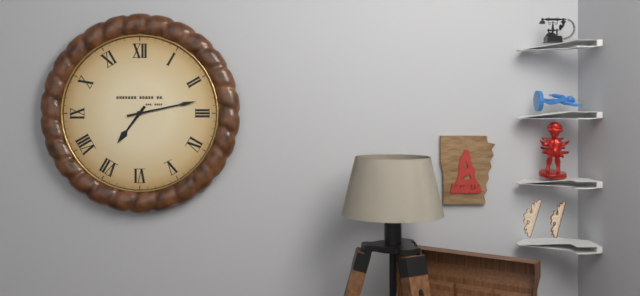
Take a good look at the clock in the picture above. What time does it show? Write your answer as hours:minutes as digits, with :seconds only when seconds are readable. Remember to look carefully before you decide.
7:13
